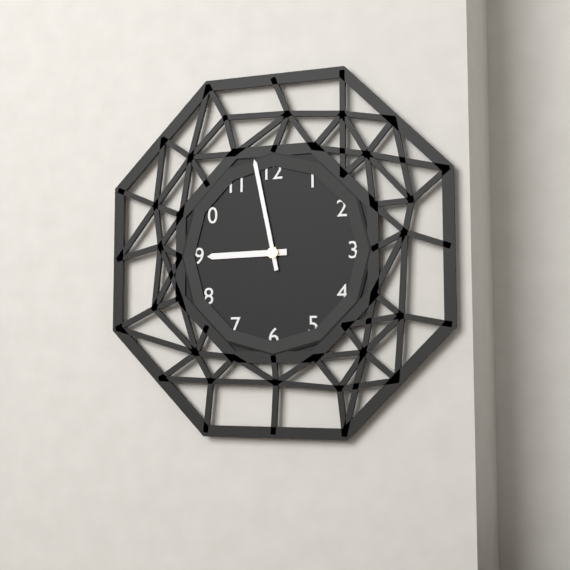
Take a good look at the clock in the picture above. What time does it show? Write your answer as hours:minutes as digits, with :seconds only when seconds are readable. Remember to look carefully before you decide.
8:58
